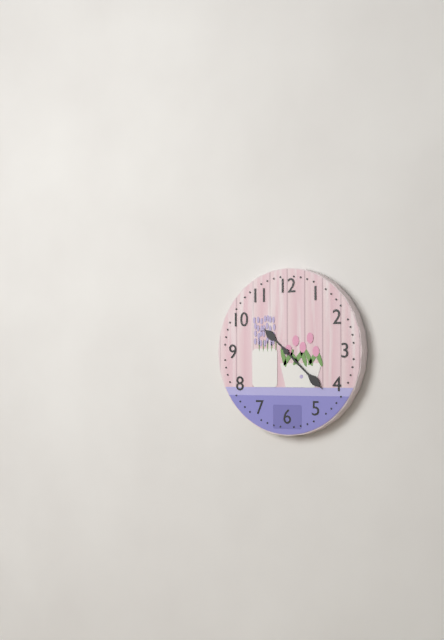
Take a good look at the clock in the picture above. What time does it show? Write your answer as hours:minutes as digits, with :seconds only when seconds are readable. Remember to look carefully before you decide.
10:22
